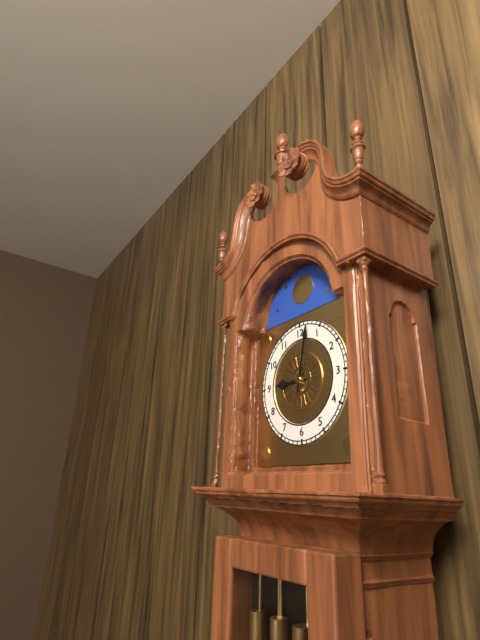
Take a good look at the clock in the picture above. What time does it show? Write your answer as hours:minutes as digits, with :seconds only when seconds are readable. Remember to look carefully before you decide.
9:02
